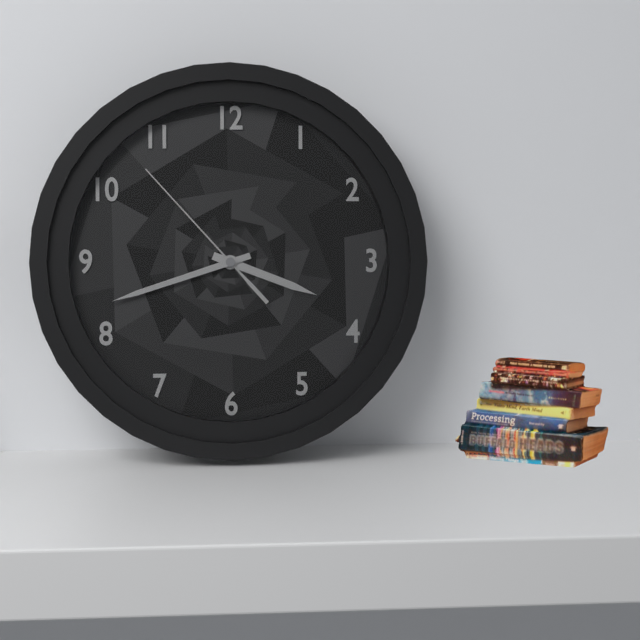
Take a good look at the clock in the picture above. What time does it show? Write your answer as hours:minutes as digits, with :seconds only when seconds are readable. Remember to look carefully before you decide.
3:42:53
